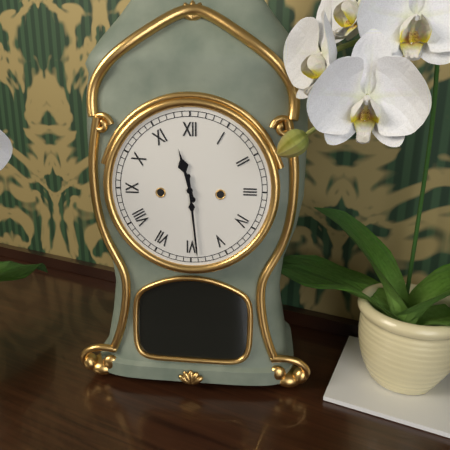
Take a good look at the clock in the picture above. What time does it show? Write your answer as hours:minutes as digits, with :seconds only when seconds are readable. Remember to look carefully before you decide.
11:29
